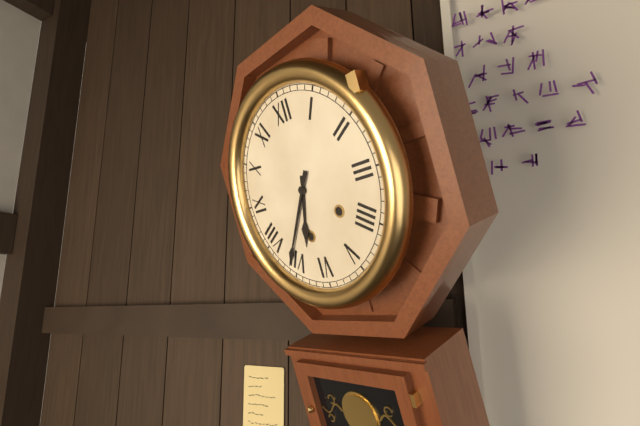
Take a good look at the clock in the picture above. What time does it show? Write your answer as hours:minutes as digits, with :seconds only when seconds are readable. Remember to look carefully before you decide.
6:36
